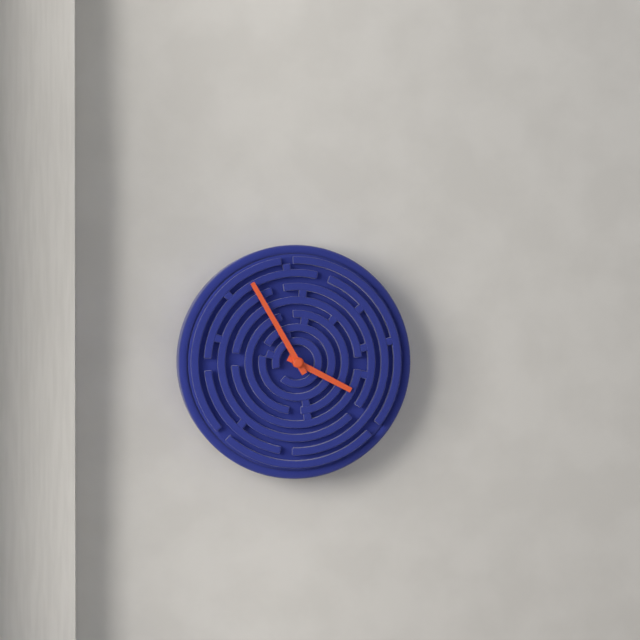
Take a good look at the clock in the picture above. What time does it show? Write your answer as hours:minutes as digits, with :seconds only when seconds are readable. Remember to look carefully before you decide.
3:55
